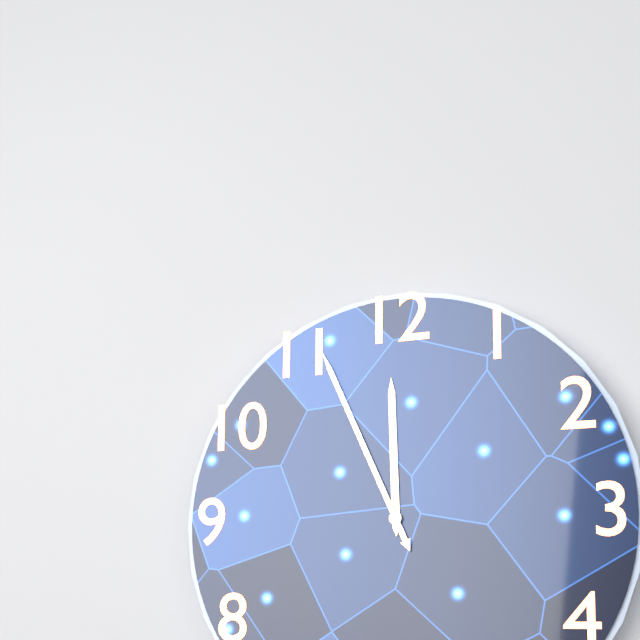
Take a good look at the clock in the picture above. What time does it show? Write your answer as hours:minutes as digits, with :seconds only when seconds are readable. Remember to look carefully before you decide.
11:56
